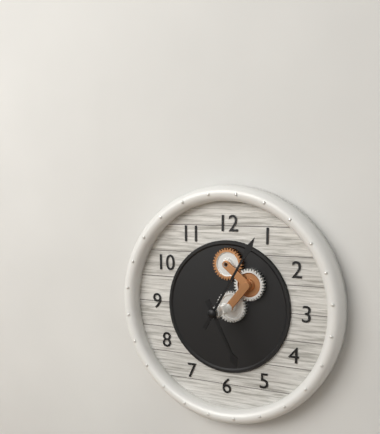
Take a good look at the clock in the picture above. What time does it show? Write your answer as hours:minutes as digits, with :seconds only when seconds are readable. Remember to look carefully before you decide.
5:05
